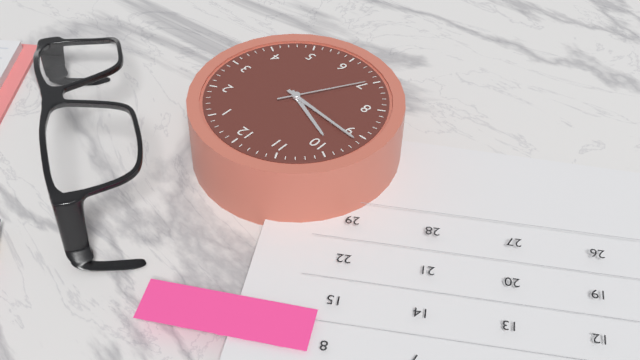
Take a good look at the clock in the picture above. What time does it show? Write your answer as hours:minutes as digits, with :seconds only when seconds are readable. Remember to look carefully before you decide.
9:46:35
